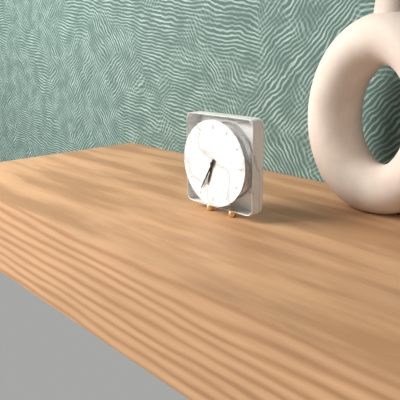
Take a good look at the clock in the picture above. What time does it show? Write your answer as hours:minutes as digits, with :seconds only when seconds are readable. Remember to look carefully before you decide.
6:35
